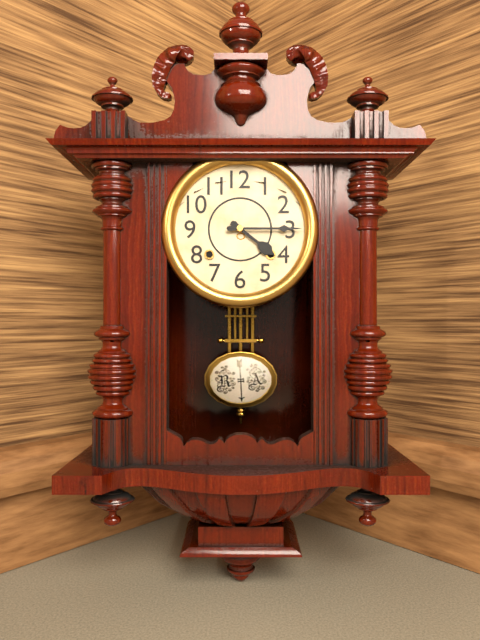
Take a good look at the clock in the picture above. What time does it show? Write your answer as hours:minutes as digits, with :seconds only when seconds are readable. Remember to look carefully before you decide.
4:15
